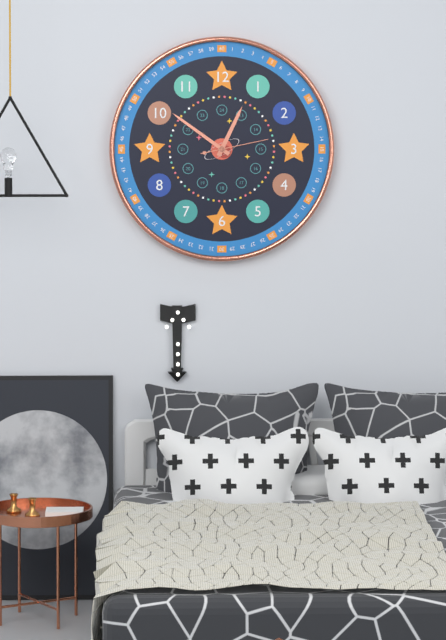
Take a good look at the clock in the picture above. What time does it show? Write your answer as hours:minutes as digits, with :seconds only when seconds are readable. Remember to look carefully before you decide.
12:51:13
